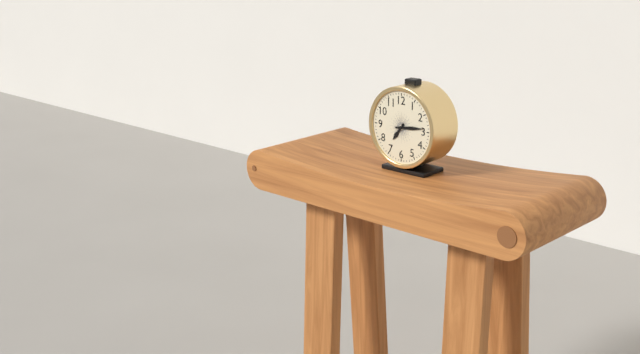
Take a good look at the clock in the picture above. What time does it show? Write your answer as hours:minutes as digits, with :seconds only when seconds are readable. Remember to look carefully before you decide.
7:14
